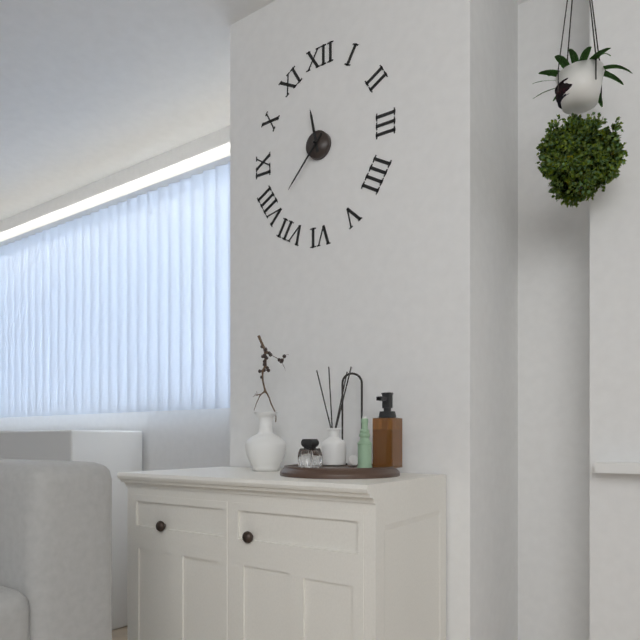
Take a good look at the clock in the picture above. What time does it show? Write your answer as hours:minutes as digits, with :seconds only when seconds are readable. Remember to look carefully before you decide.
11:37
